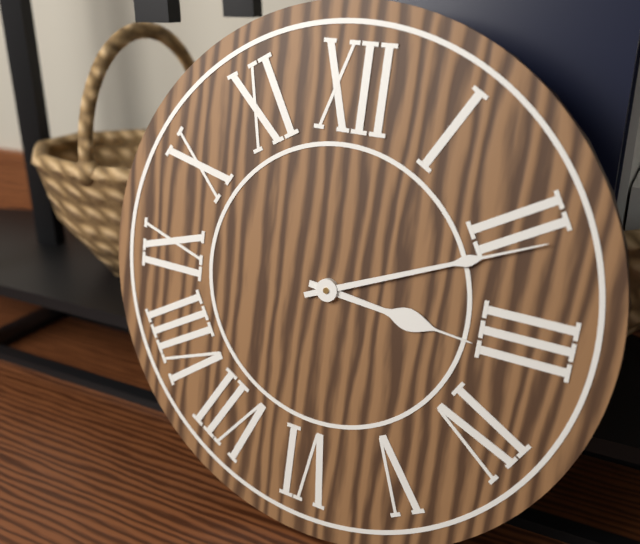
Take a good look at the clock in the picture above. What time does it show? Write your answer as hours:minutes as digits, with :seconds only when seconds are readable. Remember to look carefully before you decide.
3:11
